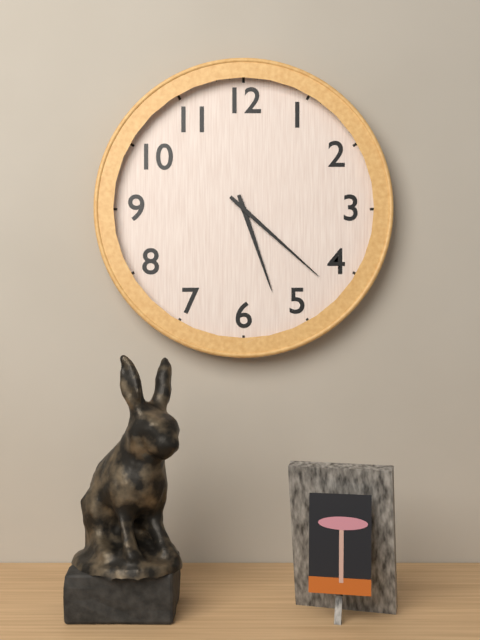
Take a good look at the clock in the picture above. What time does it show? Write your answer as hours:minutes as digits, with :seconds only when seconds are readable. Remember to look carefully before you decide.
5:22
